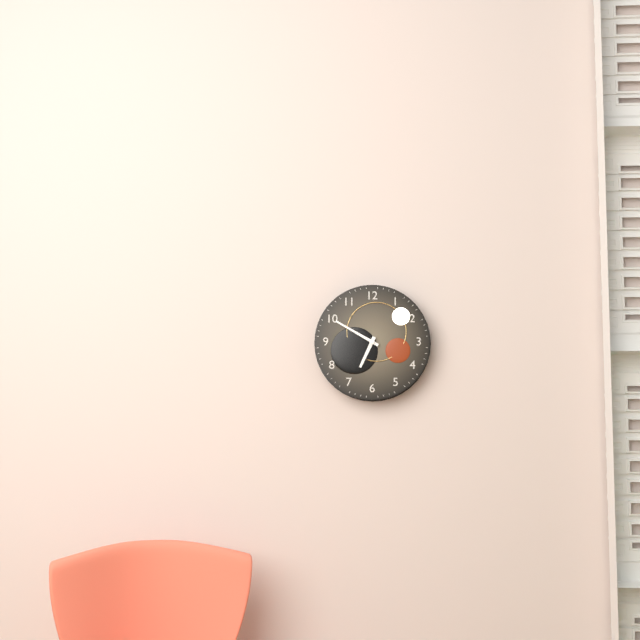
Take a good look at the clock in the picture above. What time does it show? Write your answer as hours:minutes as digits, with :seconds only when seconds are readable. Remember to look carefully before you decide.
6:50
